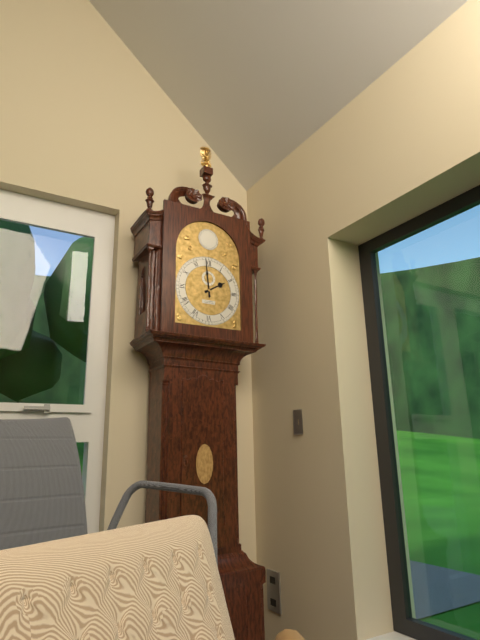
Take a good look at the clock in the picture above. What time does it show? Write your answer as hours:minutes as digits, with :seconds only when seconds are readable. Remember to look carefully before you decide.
1:59
